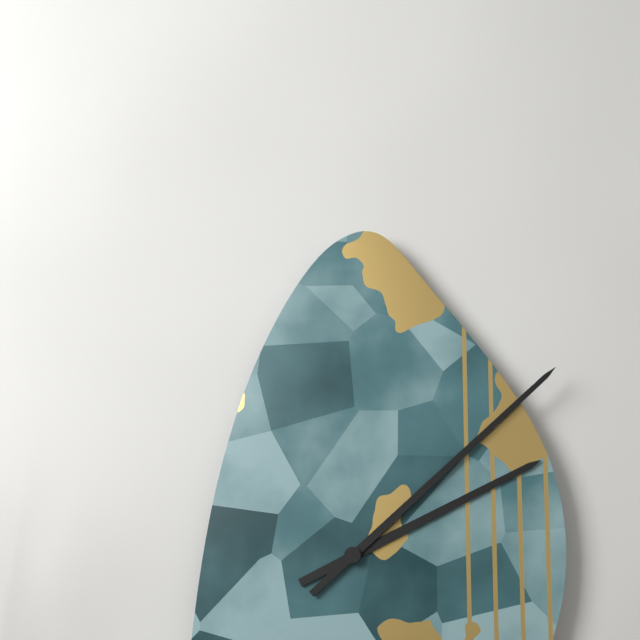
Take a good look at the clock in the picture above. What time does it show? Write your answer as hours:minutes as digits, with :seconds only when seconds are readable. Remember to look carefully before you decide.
2:08
